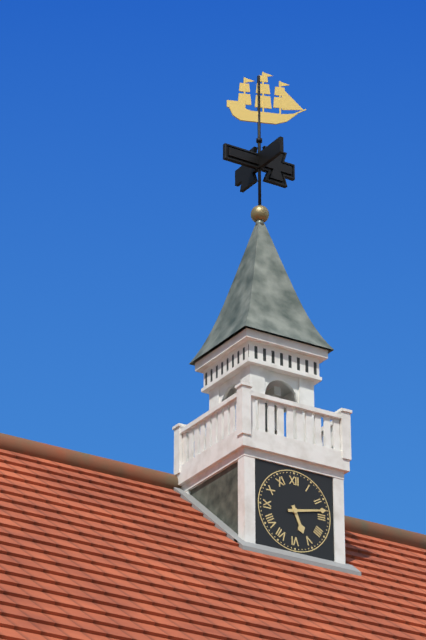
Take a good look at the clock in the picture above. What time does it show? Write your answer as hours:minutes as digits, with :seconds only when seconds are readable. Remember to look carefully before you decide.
5:13
